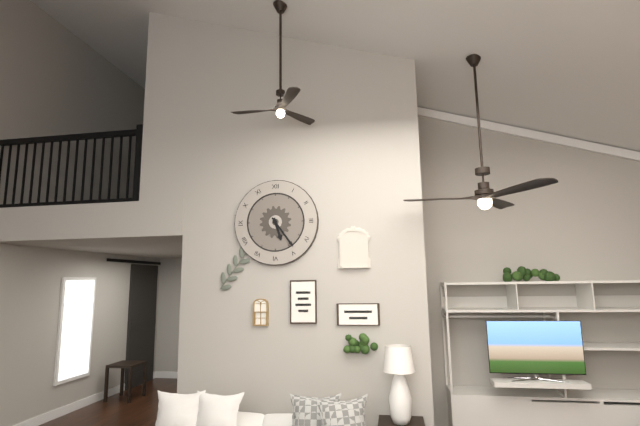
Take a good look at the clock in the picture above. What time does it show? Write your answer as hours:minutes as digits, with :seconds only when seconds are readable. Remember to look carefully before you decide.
5:24
